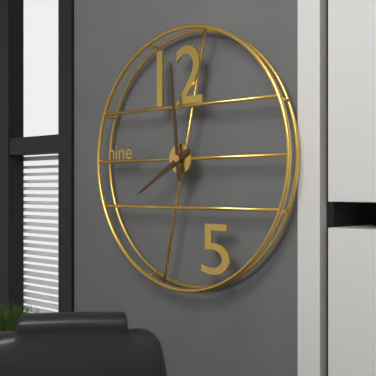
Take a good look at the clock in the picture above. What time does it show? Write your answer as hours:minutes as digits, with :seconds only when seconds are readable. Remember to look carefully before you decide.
7:59
